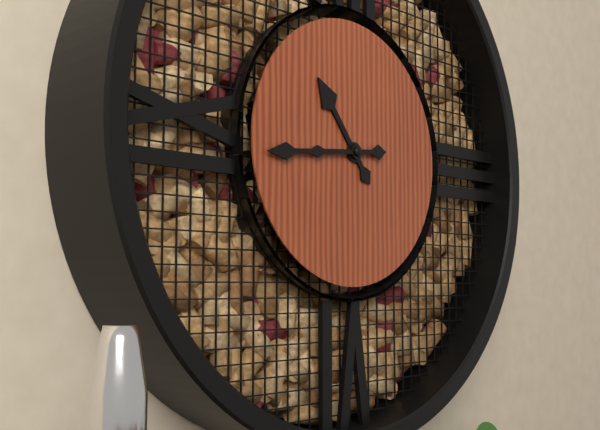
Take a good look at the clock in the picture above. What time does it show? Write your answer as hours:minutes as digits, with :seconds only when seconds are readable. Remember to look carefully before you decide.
10:44
